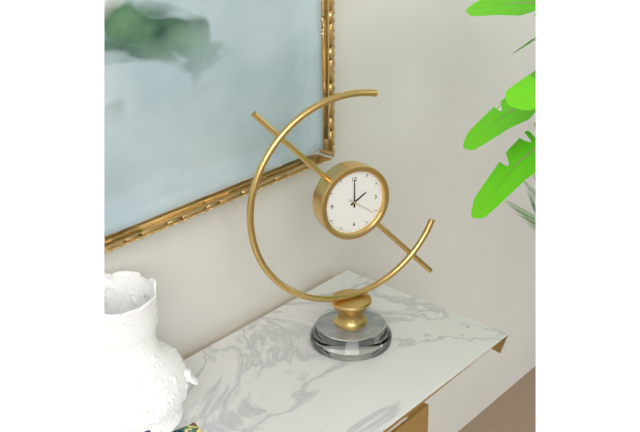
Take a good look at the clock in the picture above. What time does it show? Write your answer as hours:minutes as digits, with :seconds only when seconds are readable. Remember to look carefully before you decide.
2:00
